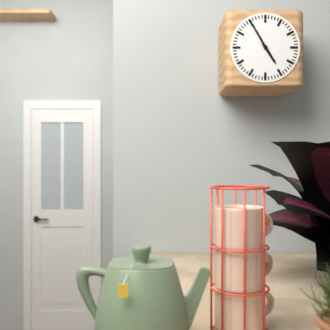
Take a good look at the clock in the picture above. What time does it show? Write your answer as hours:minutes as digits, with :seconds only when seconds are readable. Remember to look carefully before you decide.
4:55
